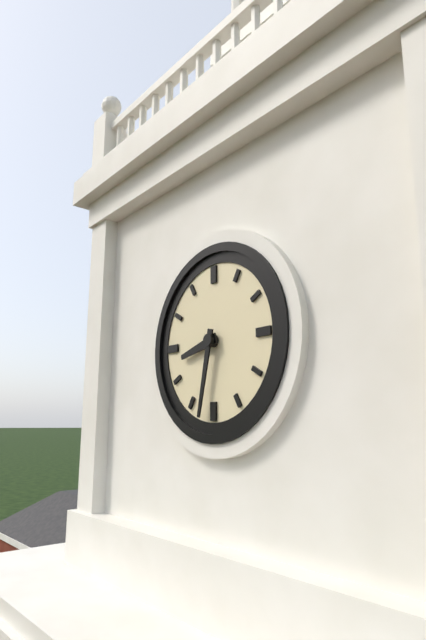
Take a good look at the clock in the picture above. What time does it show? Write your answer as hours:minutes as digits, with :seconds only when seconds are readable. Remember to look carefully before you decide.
8:32
